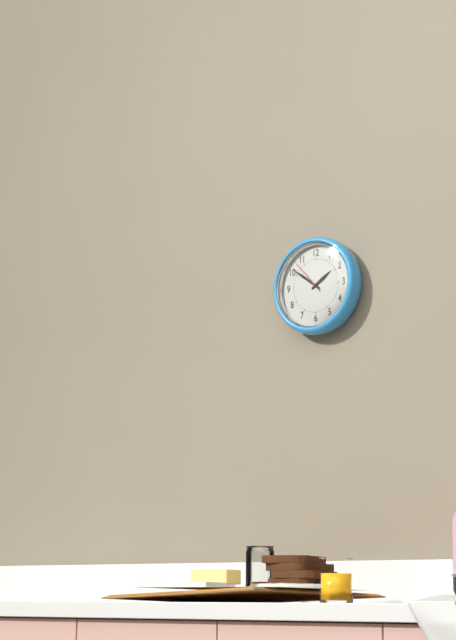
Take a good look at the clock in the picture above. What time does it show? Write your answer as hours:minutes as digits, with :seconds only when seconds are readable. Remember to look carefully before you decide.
1:51
